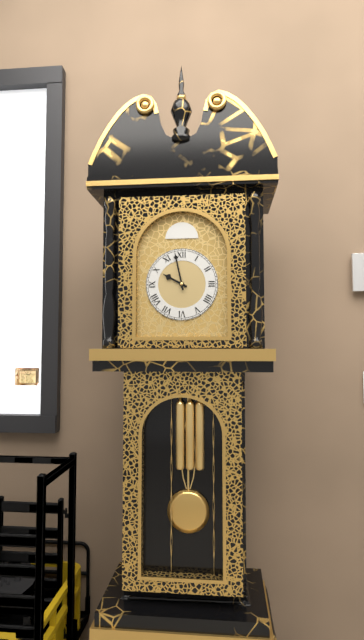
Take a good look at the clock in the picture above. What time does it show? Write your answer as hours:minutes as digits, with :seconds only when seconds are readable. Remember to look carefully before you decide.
9:58
